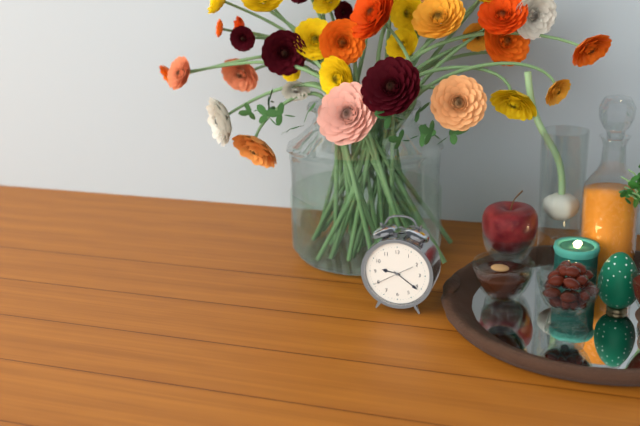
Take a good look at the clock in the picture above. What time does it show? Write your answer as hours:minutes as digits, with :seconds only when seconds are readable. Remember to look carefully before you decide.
9:21
